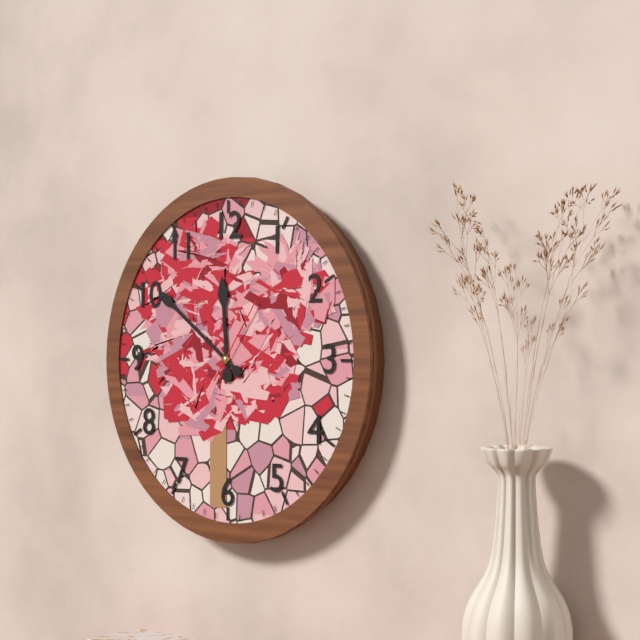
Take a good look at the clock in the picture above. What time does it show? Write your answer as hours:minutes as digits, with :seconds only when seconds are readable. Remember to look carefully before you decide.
11:51:06
